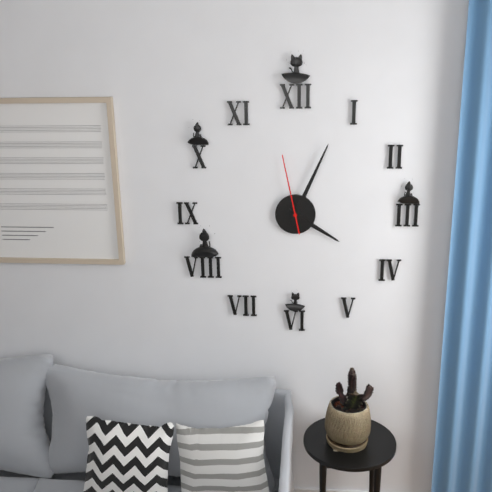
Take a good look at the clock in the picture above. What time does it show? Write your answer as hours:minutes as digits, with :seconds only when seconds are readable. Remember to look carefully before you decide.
4:04:58
